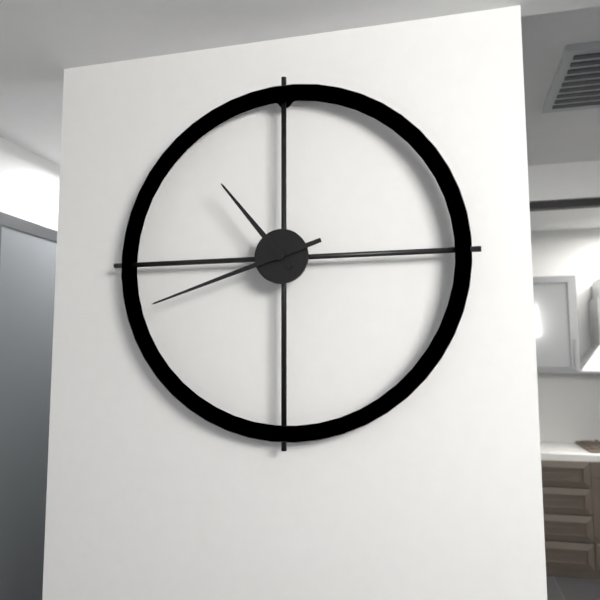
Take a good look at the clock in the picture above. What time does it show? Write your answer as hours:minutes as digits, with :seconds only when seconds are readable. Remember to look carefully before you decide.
10:42
